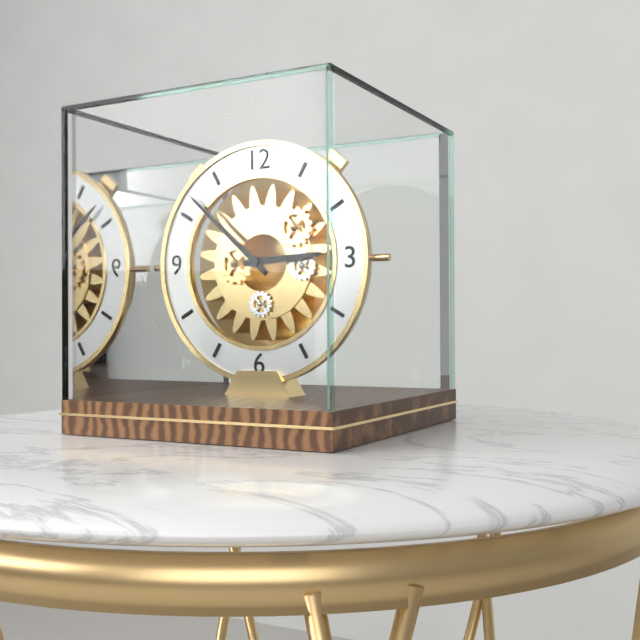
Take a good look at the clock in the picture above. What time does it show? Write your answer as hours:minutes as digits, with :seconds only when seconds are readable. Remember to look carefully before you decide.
2:52
